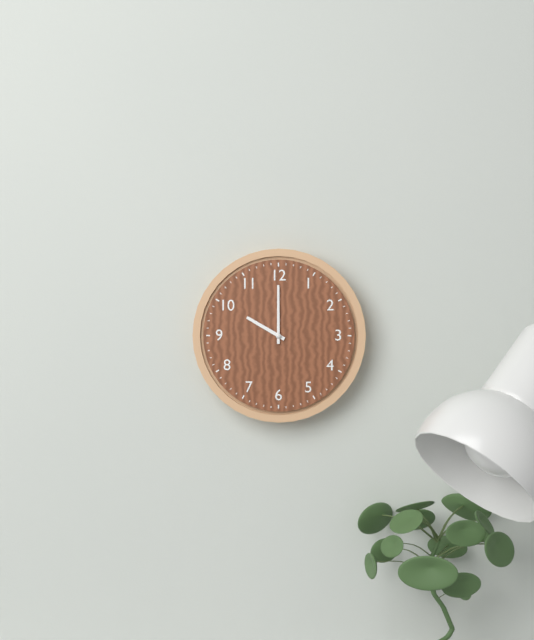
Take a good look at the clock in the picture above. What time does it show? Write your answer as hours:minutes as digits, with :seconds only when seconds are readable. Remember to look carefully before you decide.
10:00
